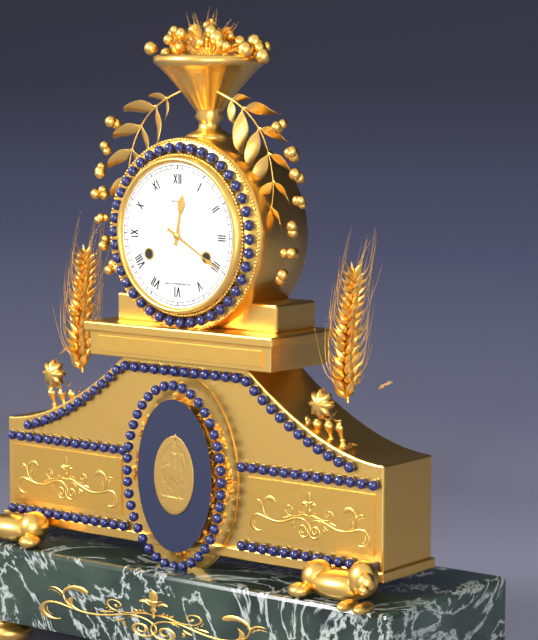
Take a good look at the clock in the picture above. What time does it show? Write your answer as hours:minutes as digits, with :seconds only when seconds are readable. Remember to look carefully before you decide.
12:20
